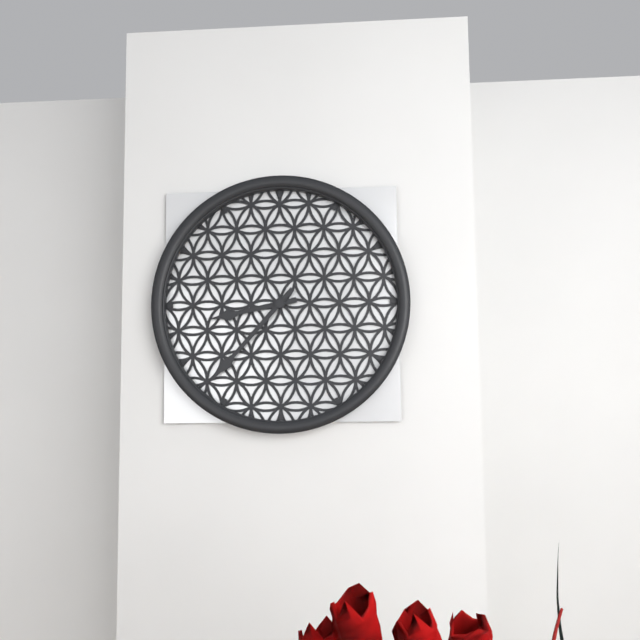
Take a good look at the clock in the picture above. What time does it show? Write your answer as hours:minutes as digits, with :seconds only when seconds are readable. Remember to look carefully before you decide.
8:37
